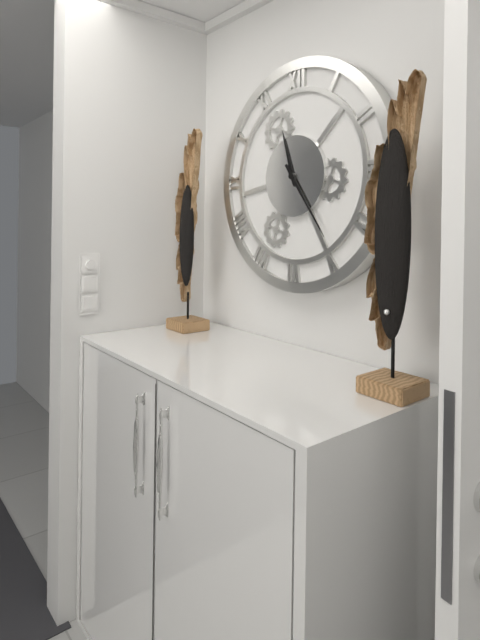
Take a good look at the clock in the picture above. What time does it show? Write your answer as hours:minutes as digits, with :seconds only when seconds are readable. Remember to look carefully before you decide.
11:24
